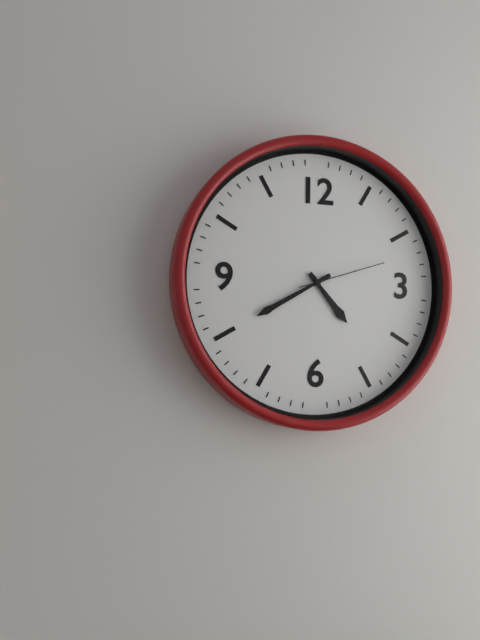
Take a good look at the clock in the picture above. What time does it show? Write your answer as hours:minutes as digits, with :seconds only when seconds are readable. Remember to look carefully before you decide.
4:40:12
